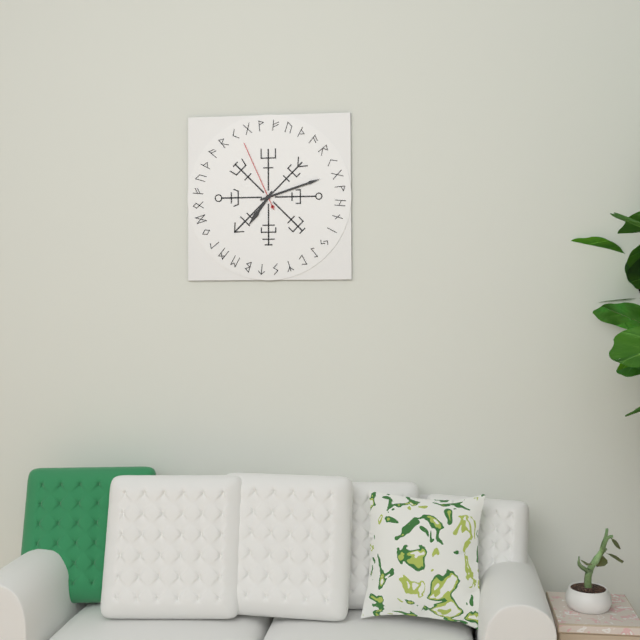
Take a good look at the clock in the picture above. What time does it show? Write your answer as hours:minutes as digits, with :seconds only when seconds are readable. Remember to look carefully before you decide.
7:12:56
